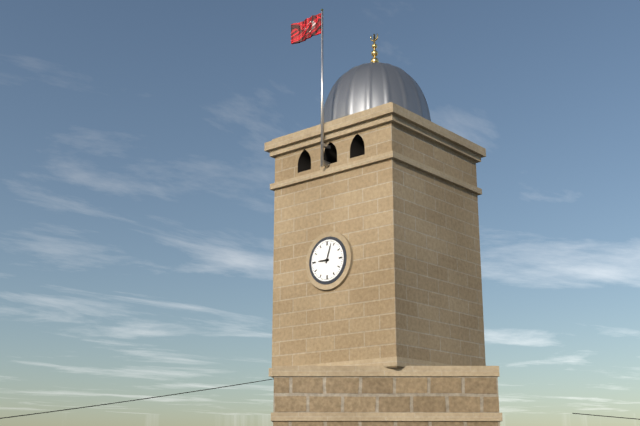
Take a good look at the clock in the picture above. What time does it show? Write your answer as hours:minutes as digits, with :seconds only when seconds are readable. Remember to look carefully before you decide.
9:03
